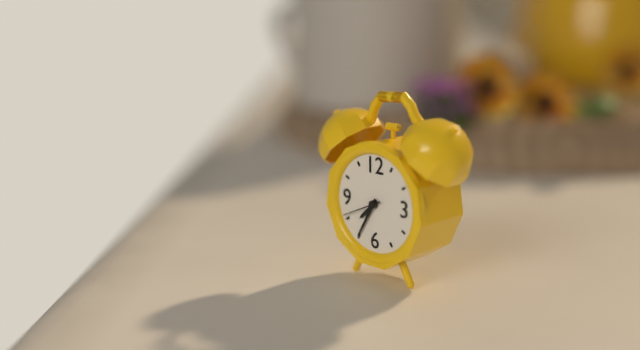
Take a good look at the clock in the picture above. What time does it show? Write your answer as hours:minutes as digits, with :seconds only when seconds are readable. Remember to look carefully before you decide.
7:35
